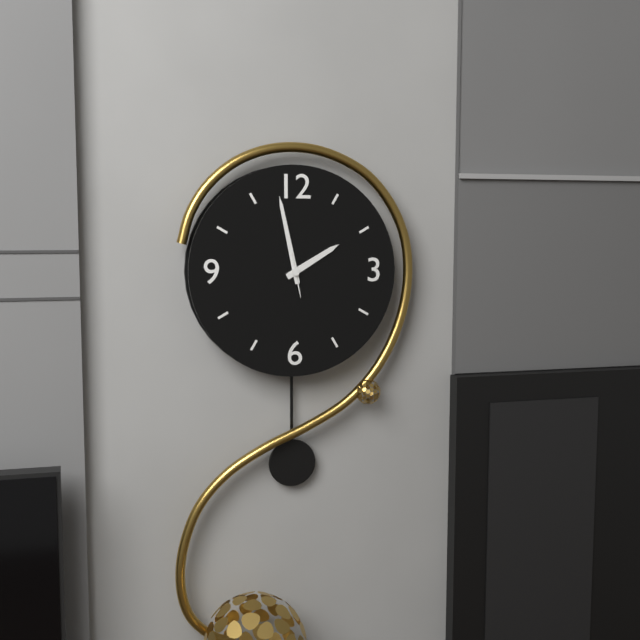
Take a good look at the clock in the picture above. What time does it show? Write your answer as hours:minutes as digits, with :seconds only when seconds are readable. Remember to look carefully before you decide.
1:58
